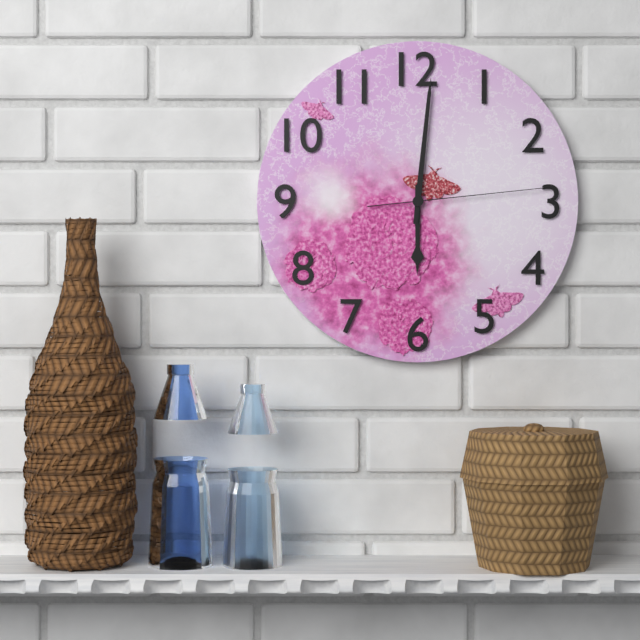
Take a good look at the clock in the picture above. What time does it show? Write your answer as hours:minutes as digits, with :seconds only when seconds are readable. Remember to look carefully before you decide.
6:01:14
